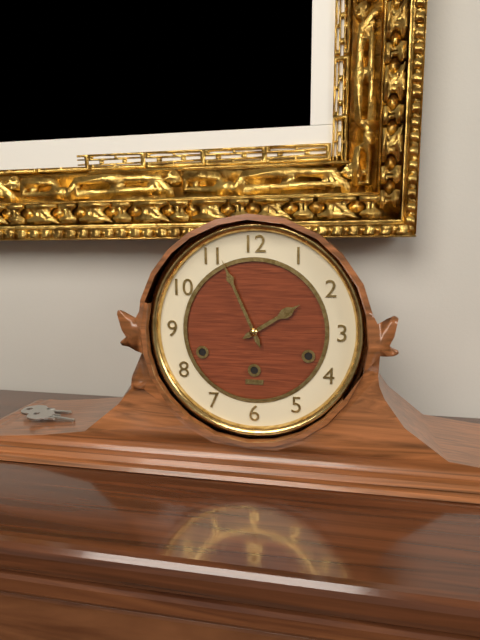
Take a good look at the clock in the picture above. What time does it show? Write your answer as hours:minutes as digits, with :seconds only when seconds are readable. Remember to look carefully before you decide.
1:56
